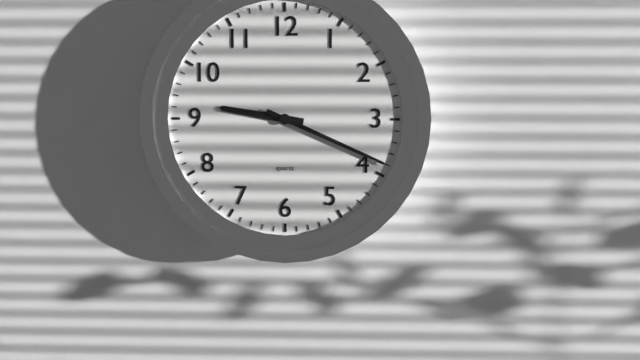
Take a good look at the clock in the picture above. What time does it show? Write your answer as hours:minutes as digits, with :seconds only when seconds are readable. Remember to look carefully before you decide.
9:19
